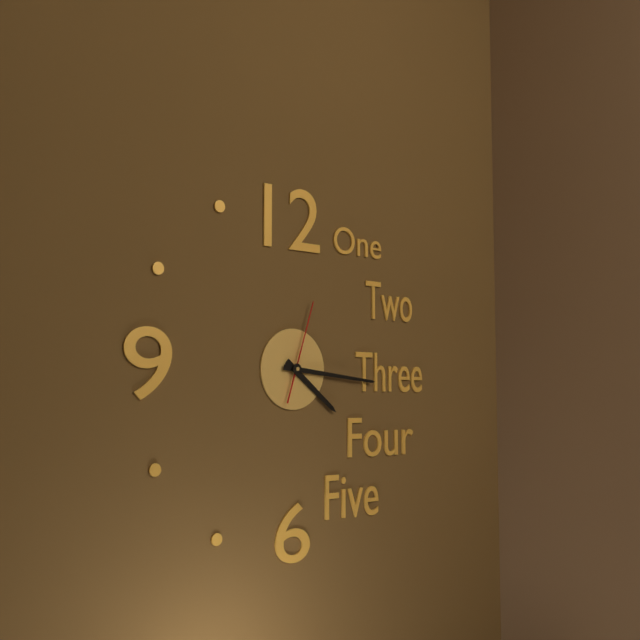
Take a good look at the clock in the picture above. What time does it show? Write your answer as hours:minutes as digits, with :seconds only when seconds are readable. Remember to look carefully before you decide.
4:16:03
